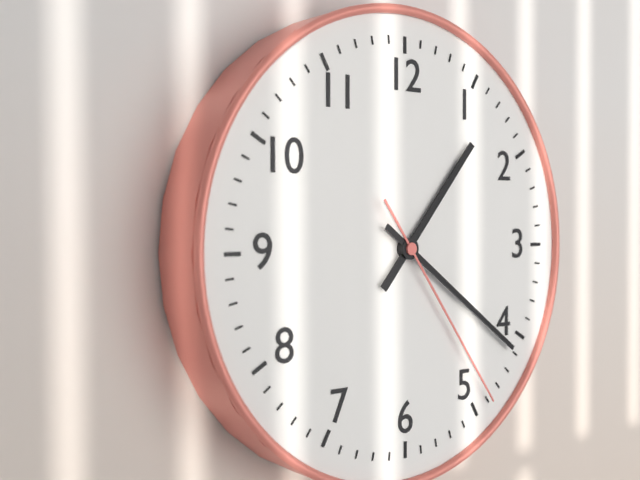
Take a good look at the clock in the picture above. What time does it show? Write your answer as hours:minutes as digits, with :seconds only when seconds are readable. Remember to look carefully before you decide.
1:21:24
